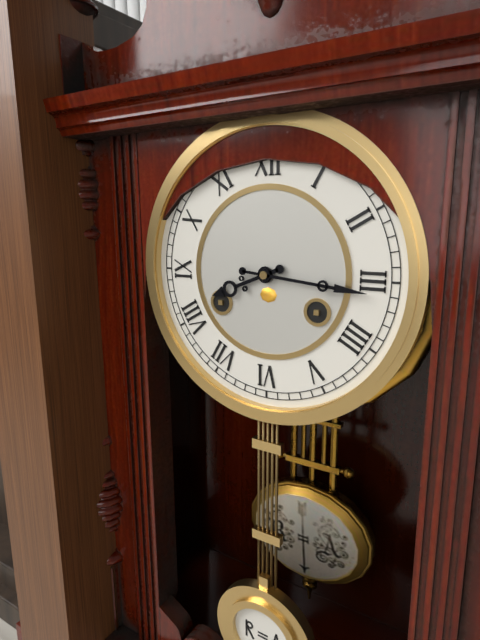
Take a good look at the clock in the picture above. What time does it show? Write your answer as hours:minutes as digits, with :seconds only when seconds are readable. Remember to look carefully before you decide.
8:16
